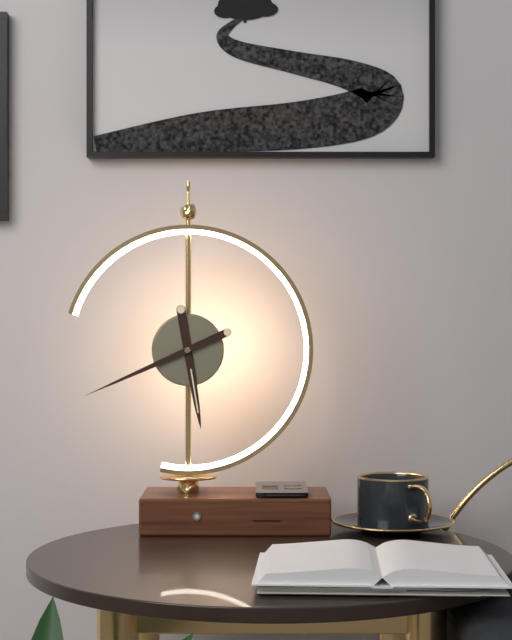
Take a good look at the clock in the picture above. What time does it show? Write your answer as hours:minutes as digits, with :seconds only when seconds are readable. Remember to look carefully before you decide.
5:41
